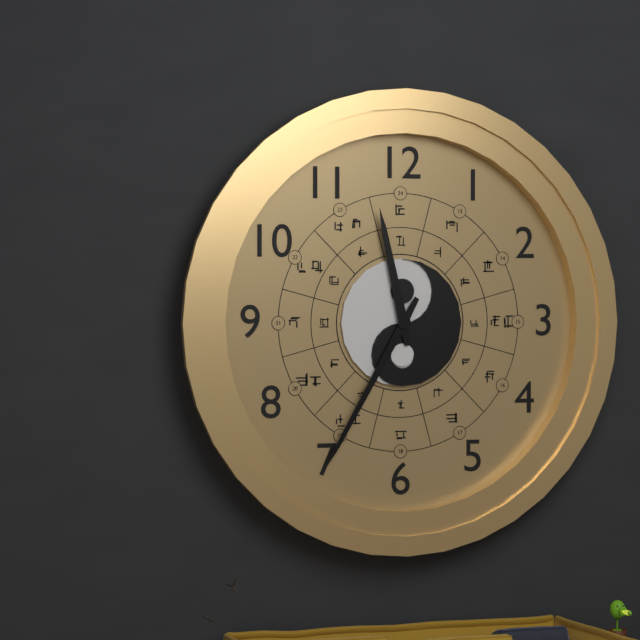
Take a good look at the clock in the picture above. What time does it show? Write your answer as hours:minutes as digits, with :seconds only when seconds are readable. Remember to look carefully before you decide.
11:35
